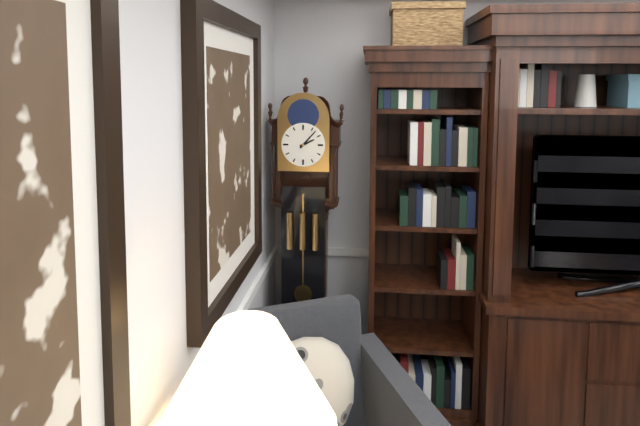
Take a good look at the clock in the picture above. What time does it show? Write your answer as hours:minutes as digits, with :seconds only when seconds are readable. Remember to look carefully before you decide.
2:07
